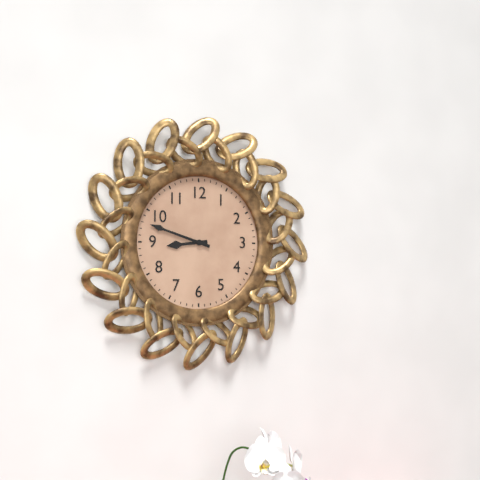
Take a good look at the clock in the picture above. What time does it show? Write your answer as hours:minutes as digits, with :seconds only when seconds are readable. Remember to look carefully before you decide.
8:48
